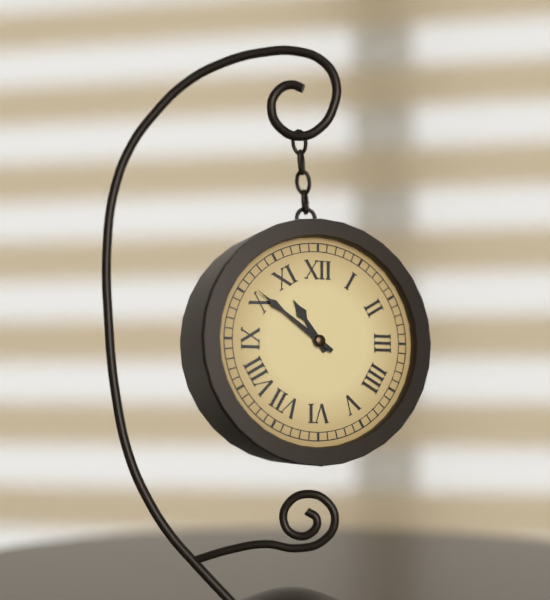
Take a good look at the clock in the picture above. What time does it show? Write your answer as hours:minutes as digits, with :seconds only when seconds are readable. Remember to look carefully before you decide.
10:51
